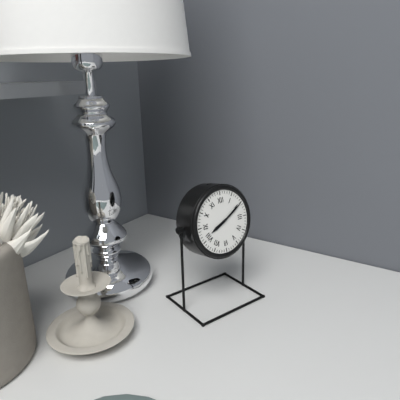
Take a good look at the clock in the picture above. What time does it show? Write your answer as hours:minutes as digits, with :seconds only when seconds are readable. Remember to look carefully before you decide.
8:10
